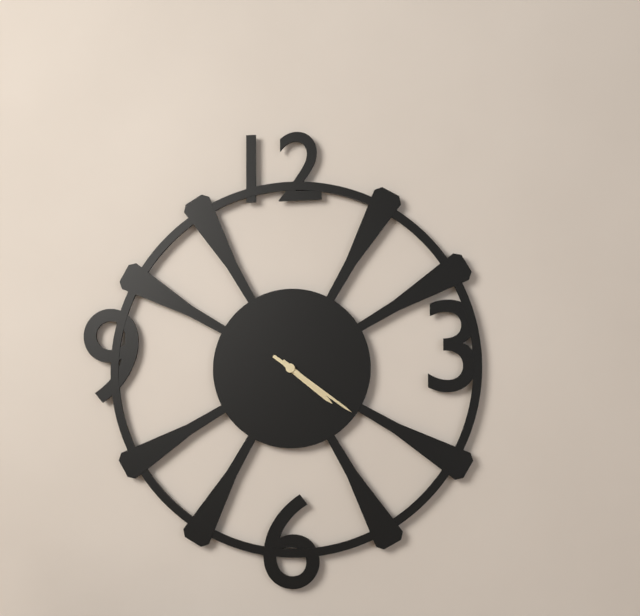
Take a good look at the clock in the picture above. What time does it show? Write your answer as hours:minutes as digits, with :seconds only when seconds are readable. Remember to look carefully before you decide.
4:21
